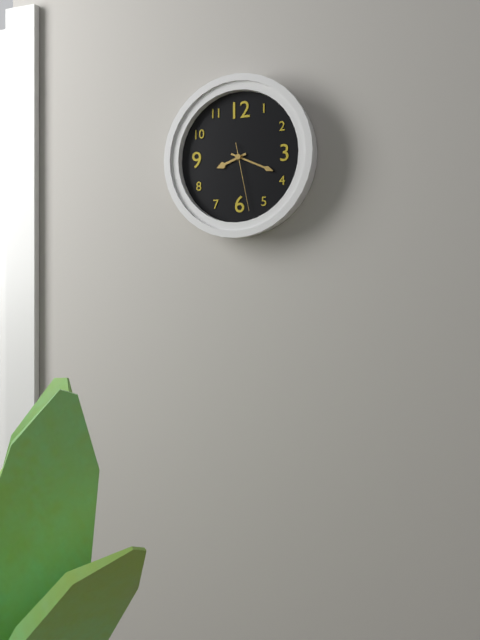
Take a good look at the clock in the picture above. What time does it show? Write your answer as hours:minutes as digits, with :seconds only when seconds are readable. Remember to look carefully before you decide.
8:19:28
